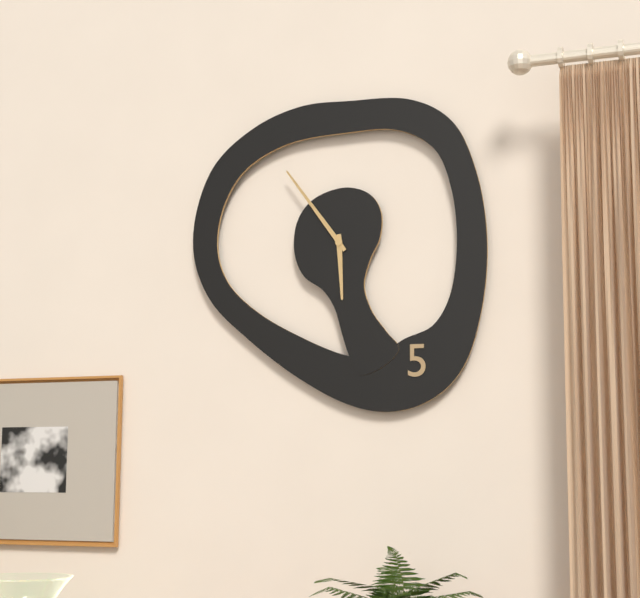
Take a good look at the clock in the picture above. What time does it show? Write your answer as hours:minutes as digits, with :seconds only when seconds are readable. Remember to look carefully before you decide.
5:54
